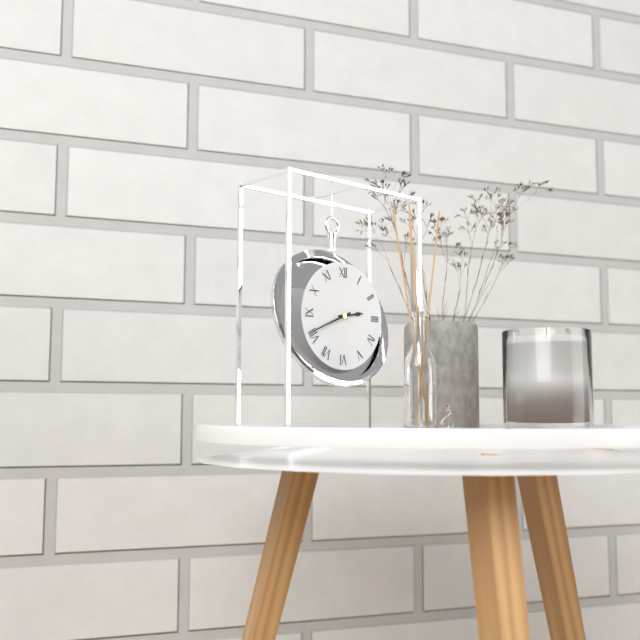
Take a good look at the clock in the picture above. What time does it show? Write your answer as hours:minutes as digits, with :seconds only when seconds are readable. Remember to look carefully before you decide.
2:41
